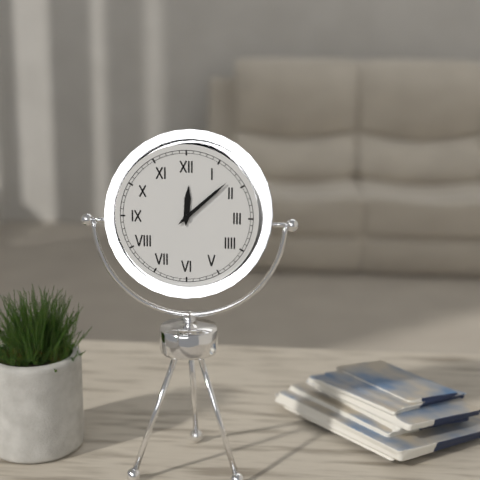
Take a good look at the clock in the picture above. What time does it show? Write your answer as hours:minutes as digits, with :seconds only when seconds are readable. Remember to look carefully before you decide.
12:08
